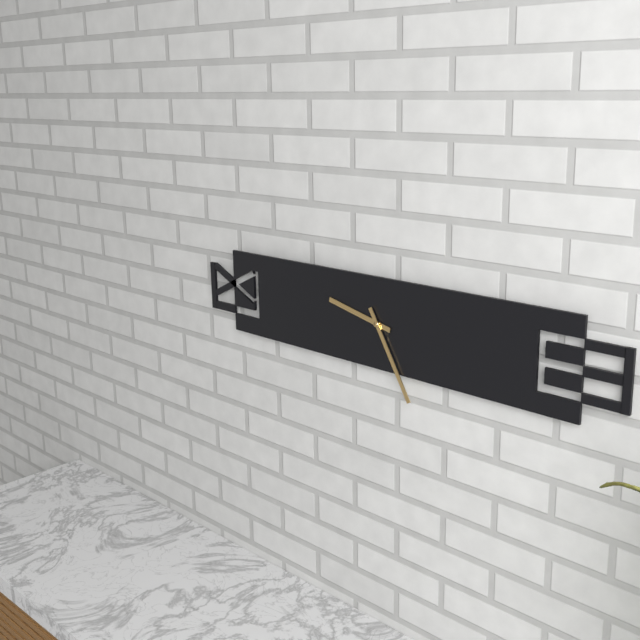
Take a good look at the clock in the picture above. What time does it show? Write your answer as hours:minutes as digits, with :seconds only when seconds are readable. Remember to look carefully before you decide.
9:25
